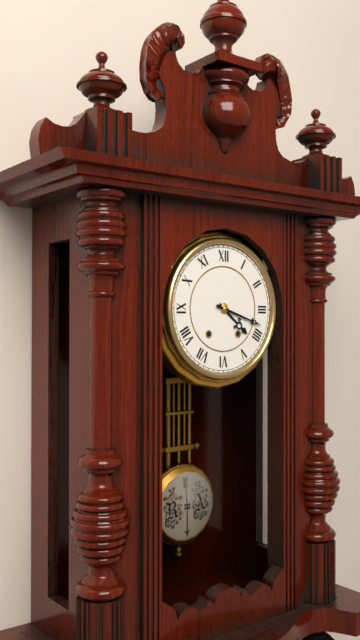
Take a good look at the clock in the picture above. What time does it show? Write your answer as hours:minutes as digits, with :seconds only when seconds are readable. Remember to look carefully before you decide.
4:18
